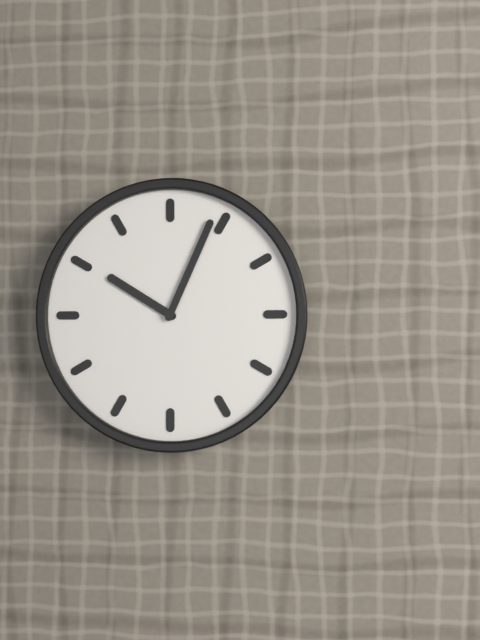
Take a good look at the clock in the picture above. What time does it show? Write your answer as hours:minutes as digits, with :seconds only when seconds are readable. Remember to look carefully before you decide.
10:04
